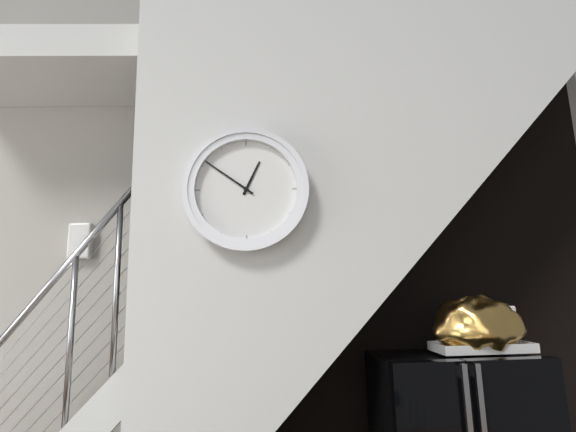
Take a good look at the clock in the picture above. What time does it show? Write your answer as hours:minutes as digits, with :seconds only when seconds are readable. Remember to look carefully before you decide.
12:51
